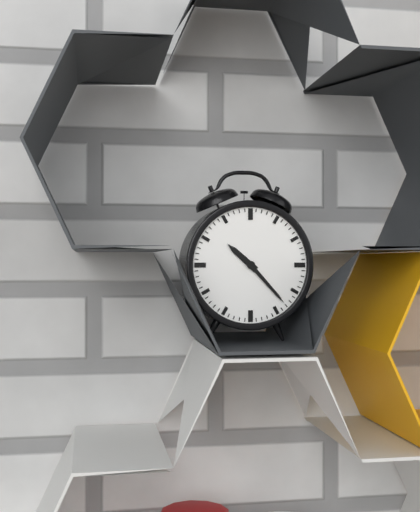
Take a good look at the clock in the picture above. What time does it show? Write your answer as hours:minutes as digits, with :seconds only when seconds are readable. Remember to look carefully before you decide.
10:23
